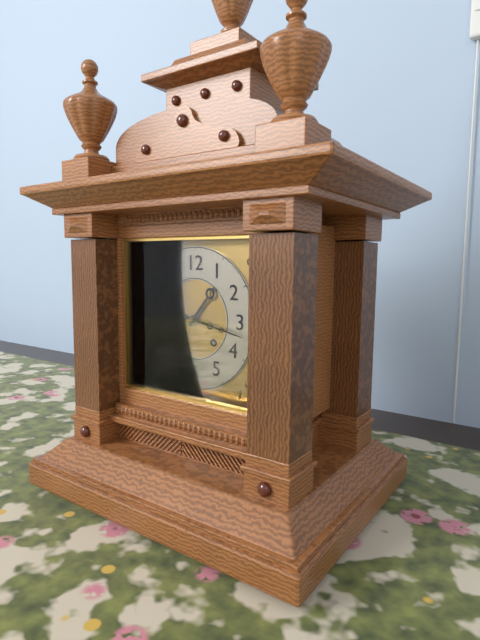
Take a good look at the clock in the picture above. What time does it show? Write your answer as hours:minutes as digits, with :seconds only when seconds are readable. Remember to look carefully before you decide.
1:17
